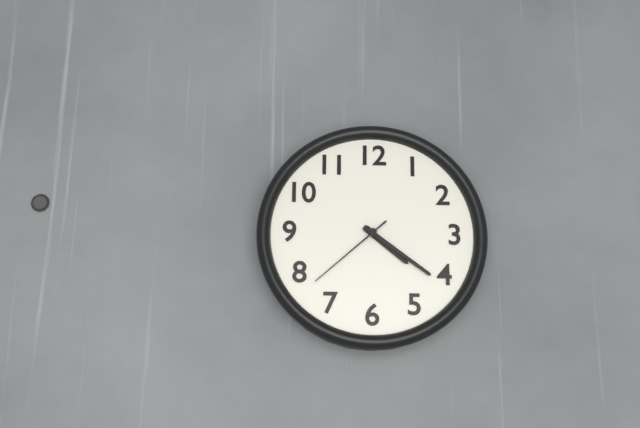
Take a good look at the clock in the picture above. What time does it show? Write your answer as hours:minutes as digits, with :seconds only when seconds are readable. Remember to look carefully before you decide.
4:21:38
